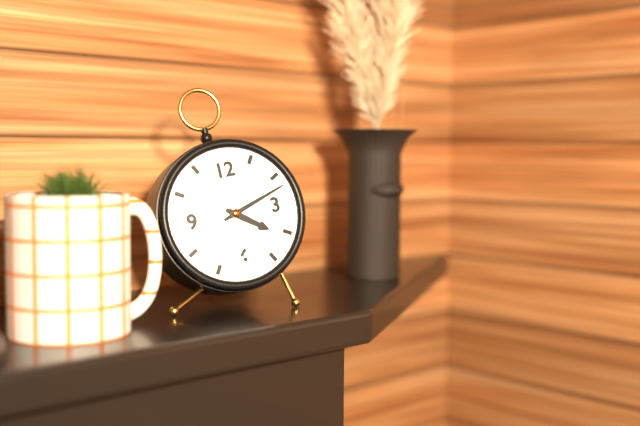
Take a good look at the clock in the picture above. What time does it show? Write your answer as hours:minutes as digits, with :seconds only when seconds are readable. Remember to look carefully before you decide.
4:12
